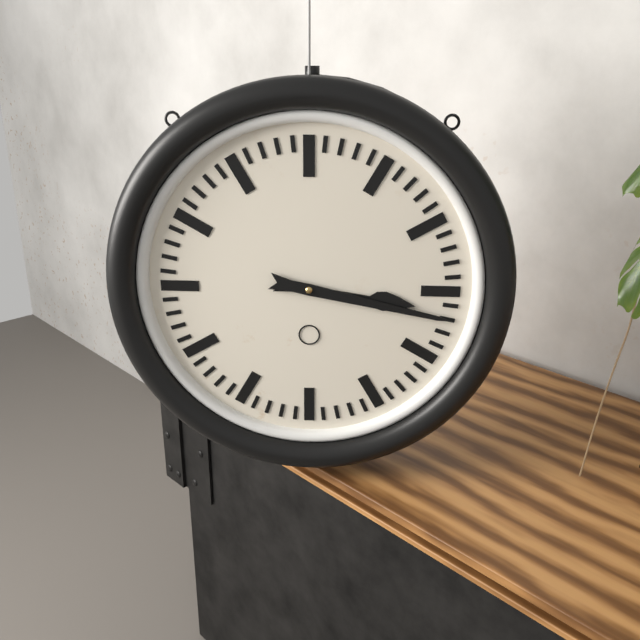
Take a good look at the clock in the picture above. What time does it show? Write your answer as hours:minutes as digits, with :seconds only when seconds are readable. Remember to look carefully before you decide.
3:17
